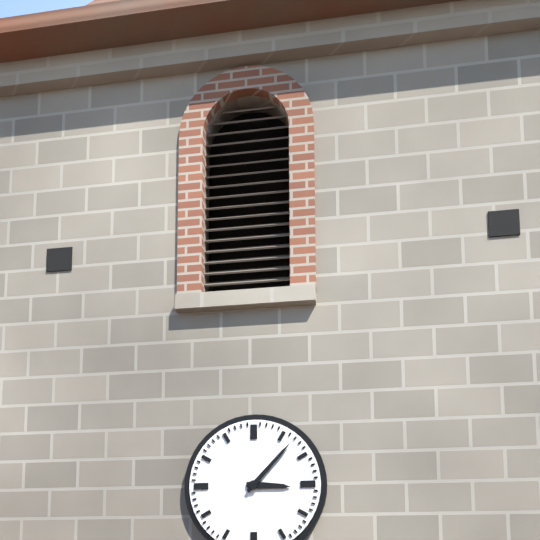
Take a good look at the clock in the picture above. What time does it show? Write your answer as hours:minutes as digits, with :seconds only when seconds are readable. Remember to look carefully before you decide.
3:07
